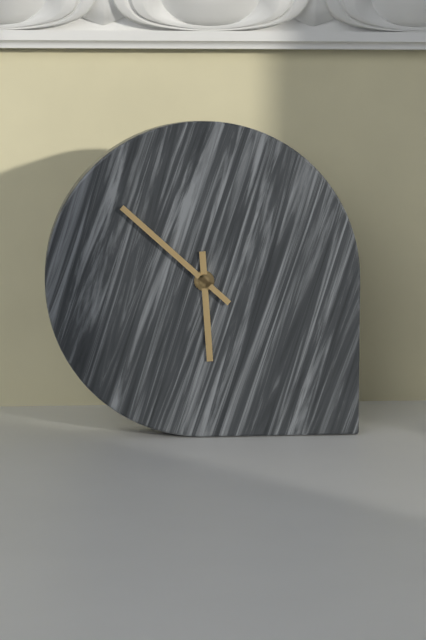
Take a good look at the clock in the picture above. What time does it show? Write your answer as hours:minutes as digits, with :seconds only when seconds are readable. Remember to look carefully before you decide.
5:52
